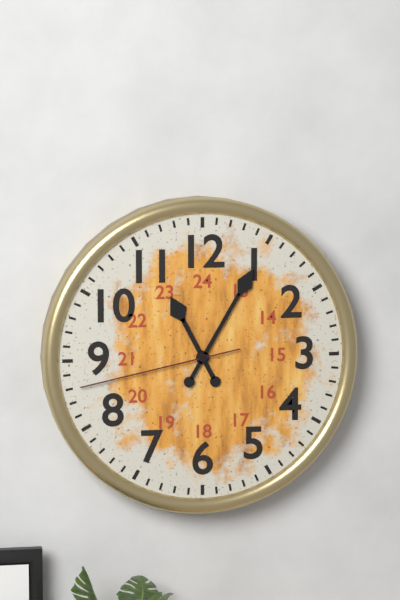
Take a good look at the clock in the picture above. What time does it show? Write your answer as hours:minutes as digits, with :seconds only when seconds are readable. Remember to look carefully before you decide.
11:05:43
